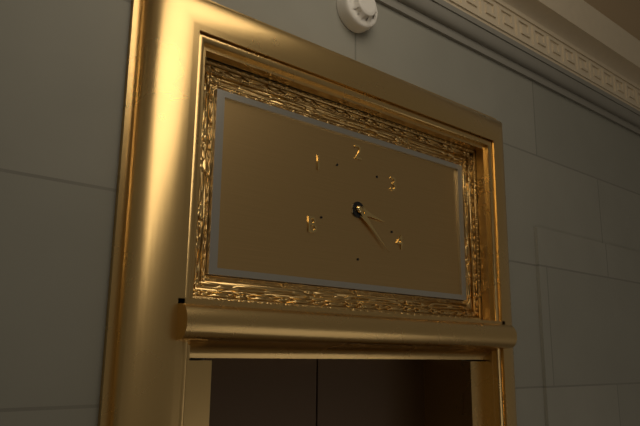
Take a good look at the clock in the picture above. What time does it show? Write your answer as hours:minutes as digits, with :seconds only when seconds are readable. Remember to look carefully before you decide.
3:22
